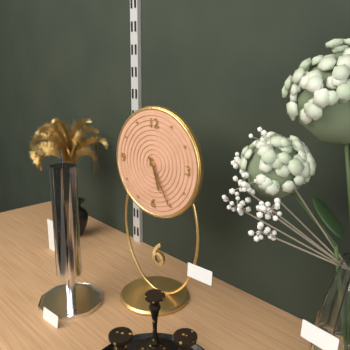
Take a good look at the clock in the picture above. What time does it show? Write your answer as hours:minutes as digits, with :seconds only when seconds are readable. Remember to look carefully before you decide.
5:25
